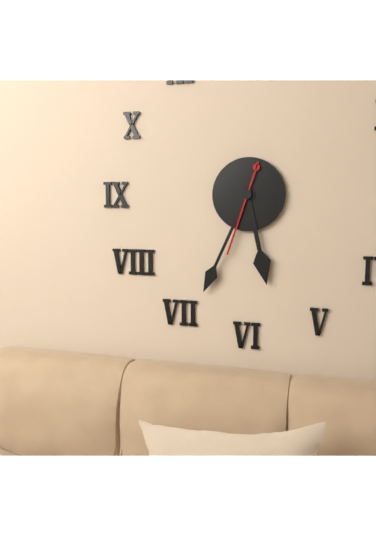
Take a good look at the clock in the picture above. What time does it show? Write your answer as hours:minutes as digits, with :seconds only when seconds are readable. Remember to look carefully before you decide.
5:34:33
